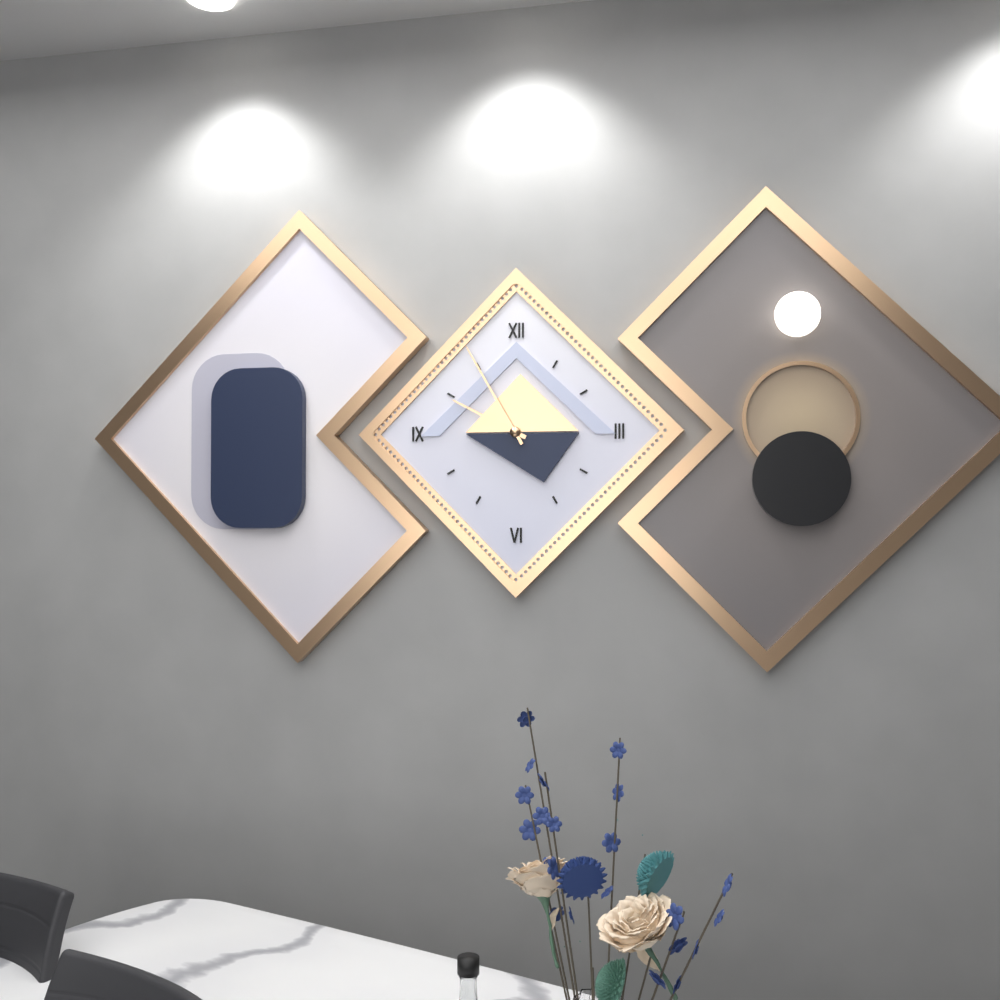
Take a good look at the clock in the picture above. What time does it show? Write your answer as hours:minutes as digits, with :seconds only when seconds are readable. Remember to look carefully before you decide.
9:55
